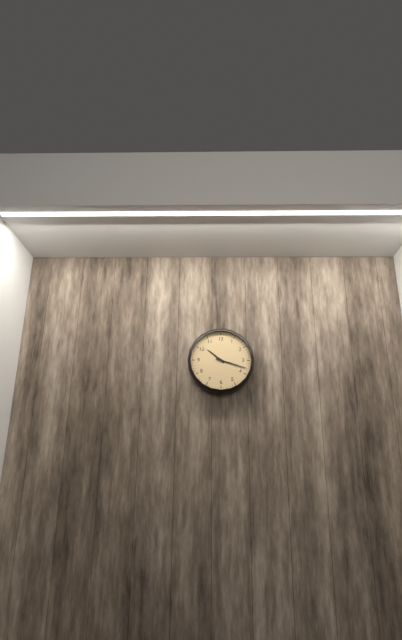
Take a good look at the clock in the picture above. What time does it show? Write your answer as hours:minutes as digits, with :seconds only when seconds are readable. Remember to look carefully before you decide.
10:18
